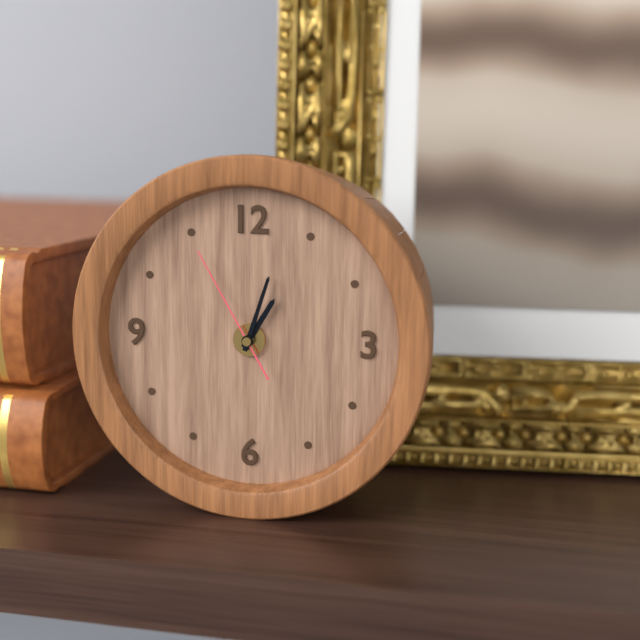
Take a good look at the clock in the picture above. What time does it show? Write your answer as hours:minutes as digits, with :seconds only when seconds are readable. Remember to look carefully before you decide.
1:03:55
